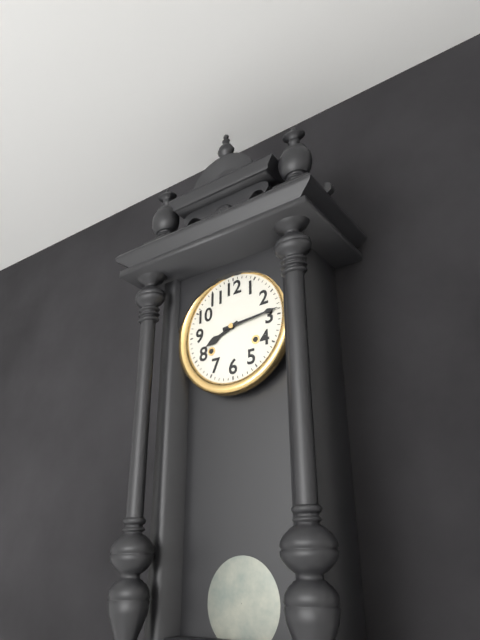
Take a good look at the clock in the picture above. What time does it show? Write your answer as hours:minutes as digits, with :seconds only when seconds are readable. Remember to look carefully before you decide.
8:14
